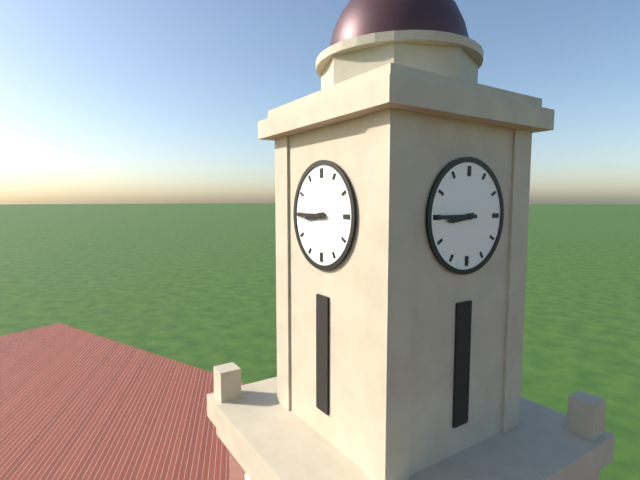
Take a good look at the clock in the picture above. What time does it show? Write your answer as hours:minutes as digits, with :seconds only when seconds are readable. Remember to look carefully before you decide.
8:45
